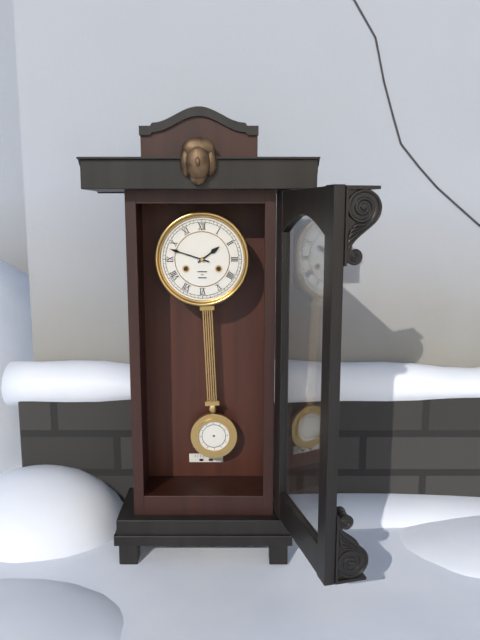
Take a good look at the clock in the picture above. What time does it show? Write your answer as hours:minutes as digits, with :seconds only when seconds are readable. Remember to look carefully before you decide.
1:48
